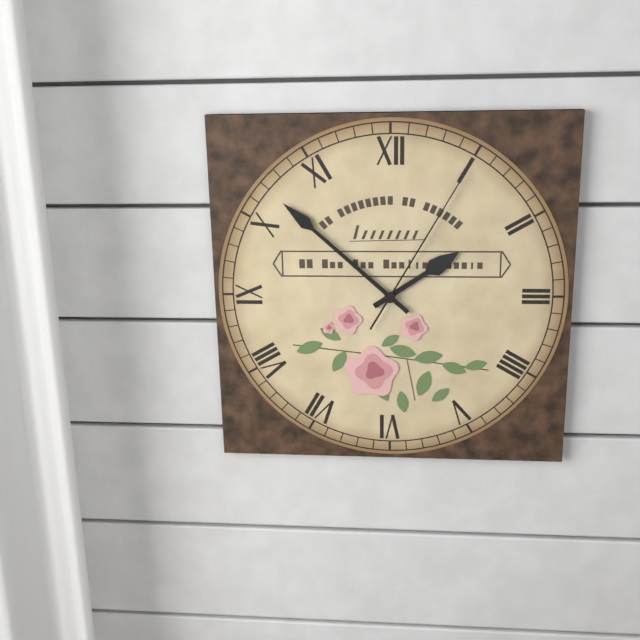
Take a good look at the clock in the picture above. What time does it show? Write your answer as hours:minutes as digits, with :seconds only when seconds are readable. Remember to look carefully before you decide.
1:52:05
